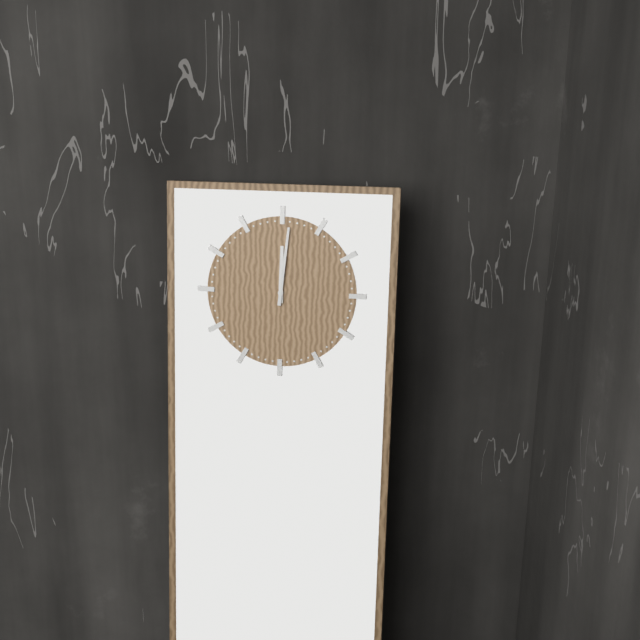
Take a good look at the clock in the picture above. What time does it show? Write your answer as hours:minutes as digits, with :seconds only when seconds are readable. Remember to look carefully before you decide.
12:01
